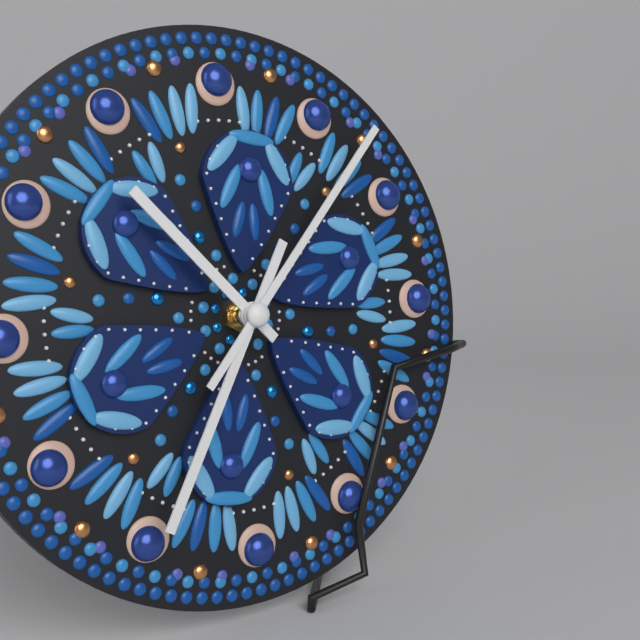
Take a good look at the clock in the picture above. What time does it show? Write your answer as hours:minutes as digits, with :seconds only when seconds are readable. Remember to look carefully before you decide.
10:35:07
